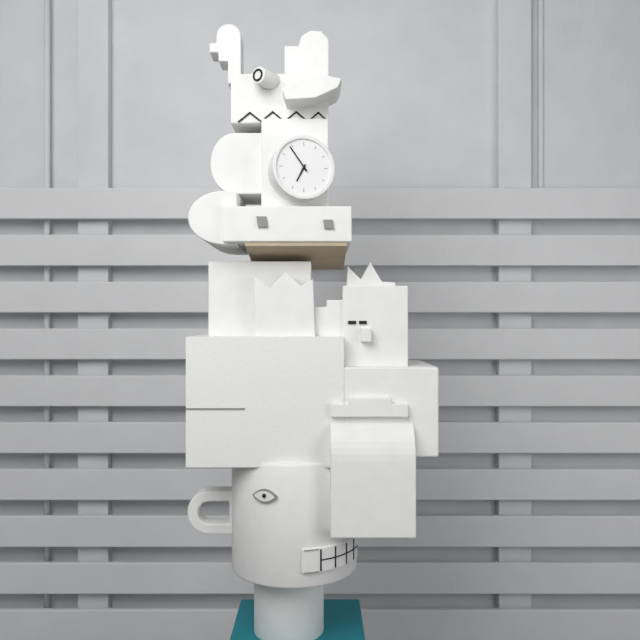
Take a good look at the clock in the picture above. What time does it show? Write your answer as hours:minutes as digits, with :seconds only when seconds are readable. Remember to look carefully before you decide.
6:54
